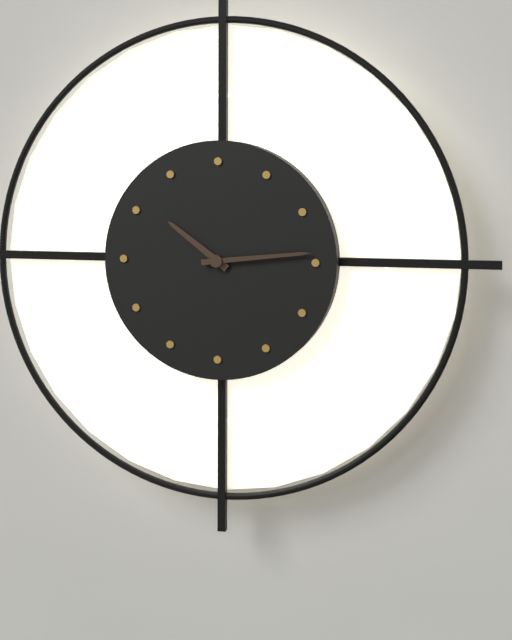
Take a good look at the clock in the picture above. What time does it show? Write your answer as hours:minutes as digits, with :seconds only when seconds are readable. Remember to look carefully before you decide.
10:14
